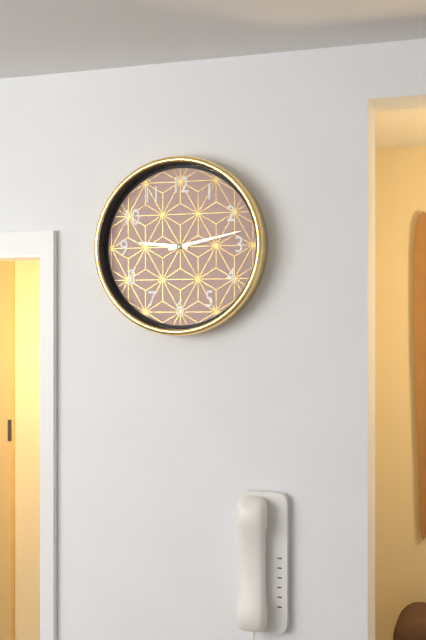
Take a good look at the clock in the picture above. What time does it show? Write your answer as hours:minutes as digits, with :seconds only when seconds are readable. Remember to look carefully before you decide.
9:13
